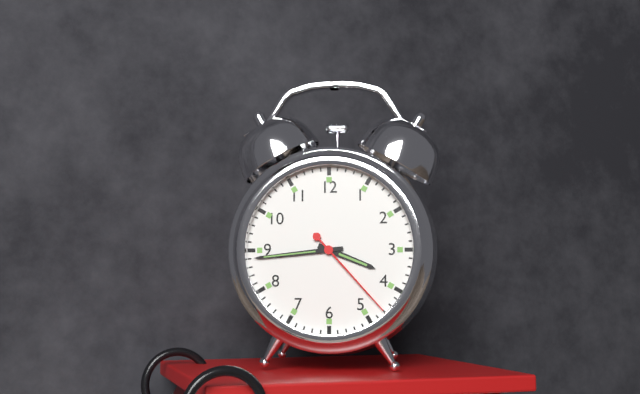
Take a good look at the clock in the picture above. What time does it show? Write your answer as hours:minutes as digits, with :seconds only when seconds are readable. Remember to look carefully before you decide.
3:44:23
